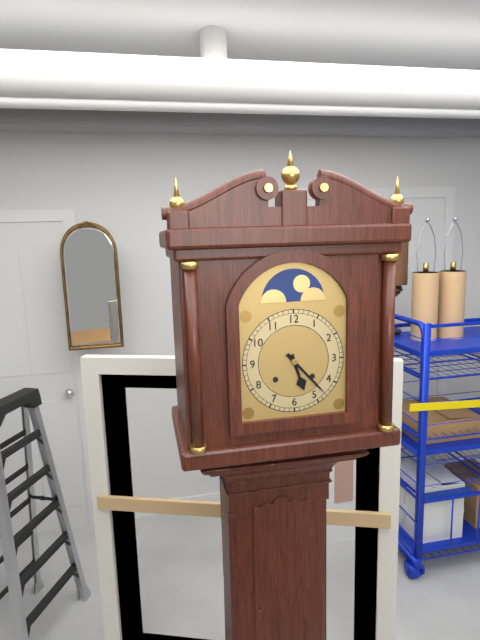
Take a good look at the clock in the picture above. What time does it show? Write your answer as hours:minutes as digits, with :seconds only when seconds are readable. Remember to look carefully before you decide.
5:23
